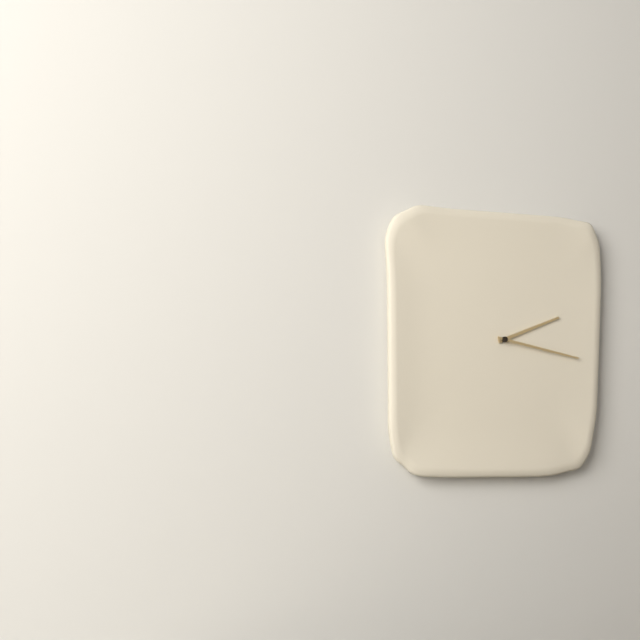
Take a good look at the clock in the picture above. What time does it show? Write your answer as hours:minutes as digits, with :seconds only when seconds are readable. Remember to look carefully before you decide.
2:17
